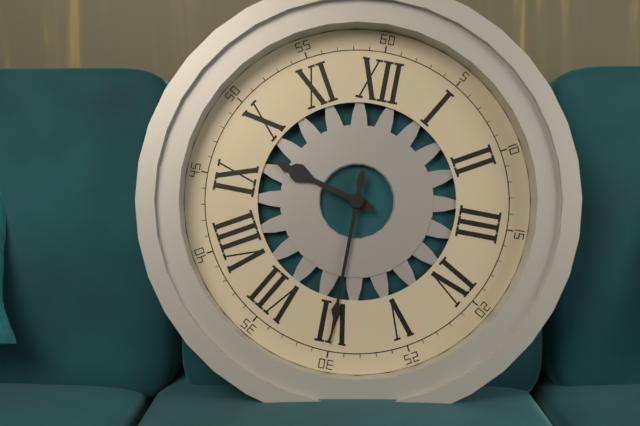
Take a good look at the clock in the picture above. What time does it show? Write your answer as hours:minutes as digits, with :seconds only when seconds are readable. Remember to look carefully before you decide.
9:30
